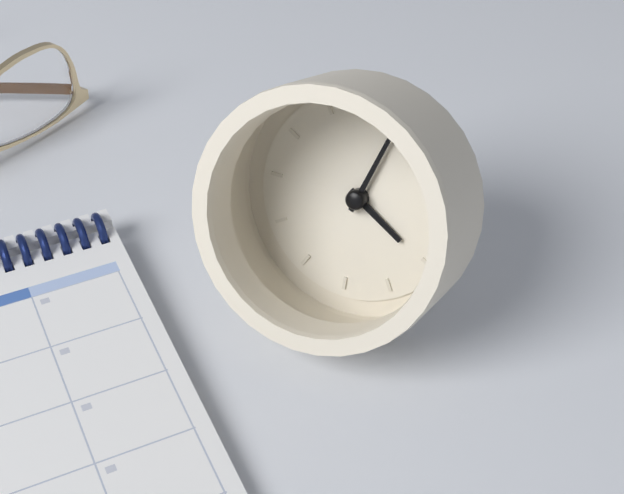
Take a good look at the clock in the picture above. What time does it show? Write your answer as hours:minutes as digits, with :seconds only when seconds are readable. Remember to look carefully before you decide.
4:03
